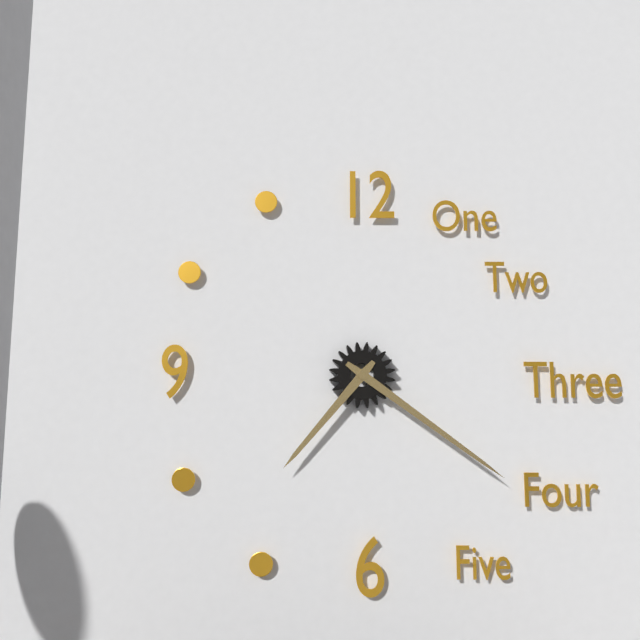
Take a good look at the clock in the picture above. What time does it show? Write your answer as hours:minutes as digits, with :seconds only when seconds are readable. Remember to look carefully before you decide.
7:21
